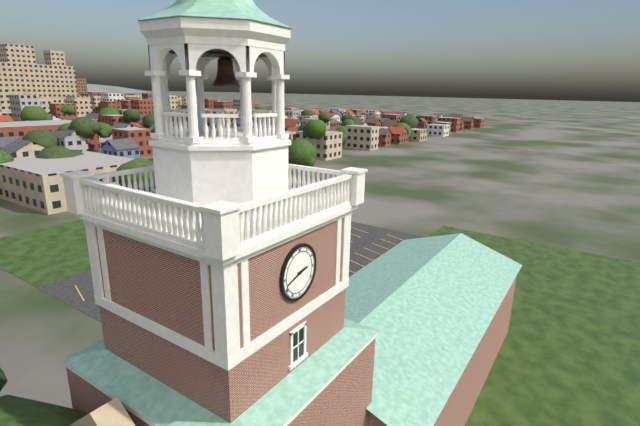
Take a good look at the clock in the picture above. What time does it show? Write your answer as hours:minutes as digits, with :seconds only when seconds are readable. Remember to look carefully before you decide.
2:42
